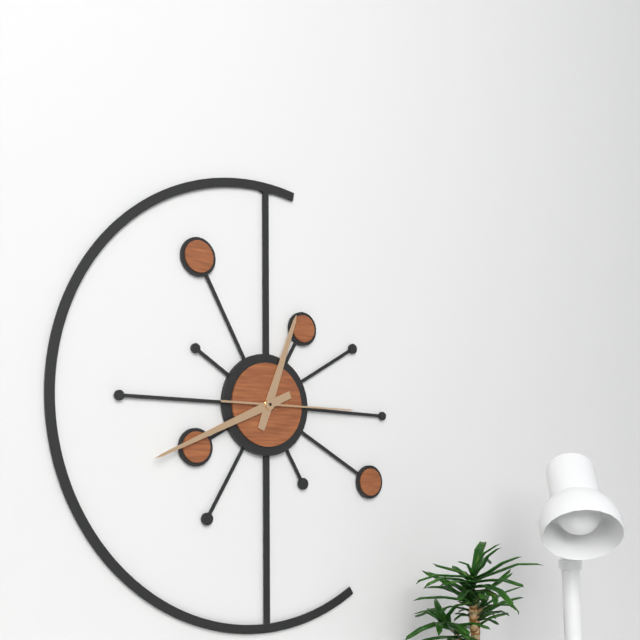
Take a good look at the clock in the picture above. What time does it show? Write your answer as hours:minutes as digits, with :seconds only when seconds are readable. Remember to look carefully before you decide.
12:41:15
